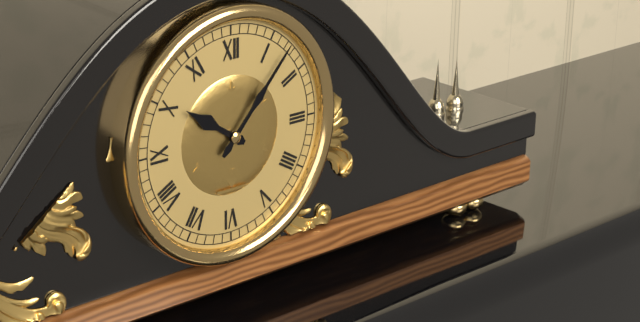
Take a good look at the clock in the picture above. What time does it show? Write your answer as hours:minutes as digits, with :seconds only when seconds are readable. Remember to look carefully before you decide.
10:07
